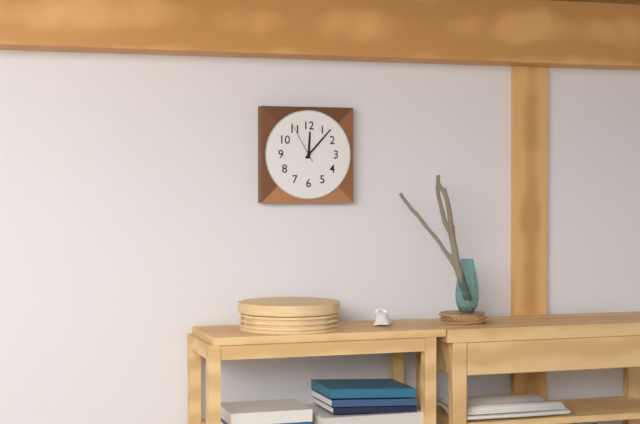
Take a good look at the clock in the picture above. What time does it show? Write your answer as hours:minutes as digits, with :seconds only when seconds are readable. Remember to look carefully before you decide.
12:07
